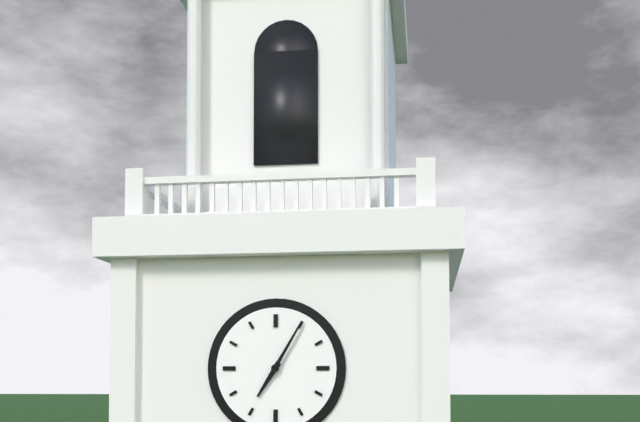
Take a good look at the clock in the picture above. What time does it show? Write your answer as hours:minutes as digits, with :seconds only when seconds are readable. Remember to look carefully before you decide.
7:05
